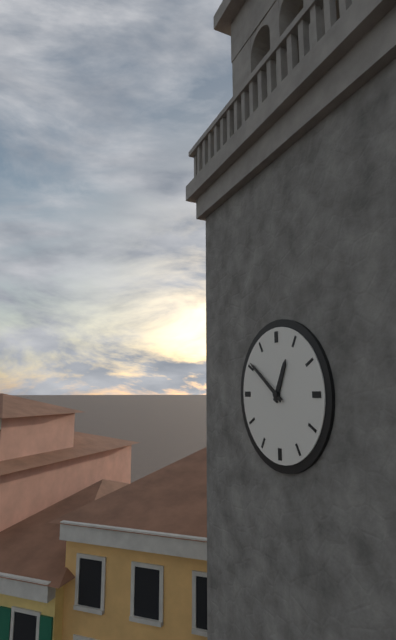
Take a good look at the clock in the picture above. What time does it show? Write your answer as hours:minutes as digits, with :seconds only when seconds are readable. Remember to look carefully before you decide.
12:51
